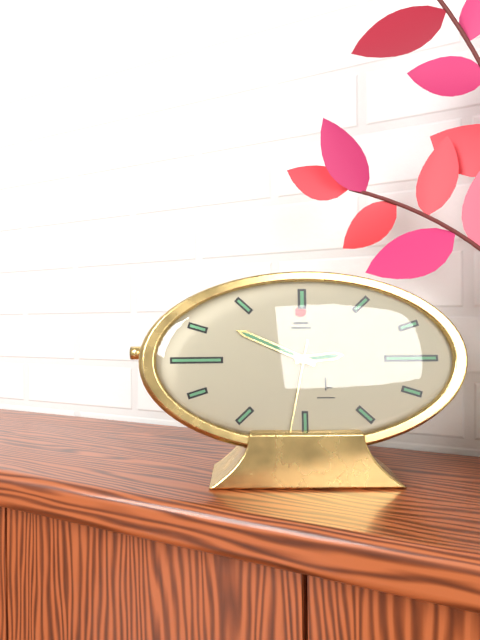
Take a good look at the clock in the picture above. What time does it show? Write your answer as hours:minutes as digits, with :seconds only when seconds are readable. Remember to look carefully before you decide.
2:49:32
